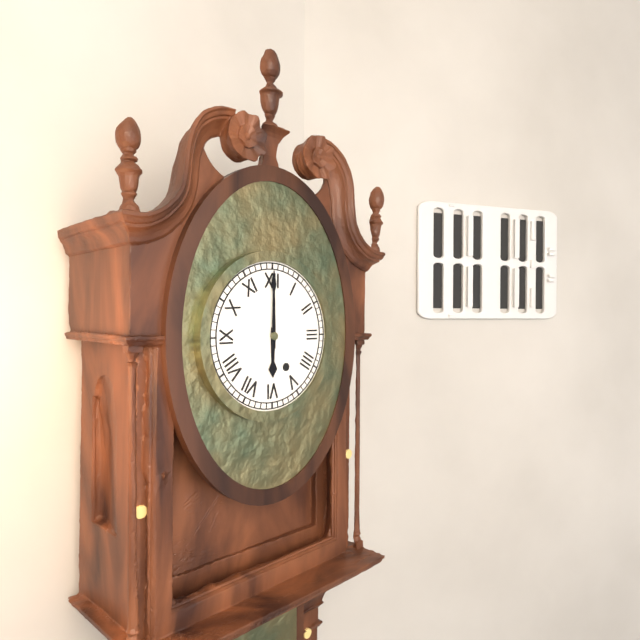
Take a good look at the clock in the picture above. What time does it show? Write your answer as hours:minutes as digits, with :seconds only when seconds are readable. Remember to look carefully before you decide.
6:00
